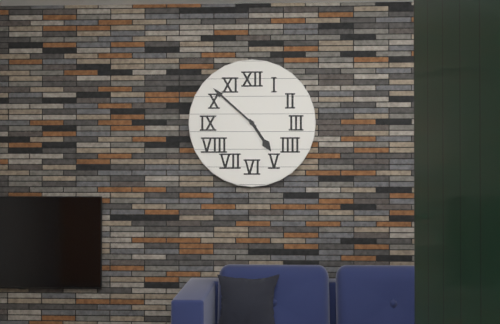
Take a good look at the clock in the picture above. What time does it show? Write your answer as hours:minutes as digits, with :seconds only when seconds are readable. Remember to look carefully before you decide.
4:52
